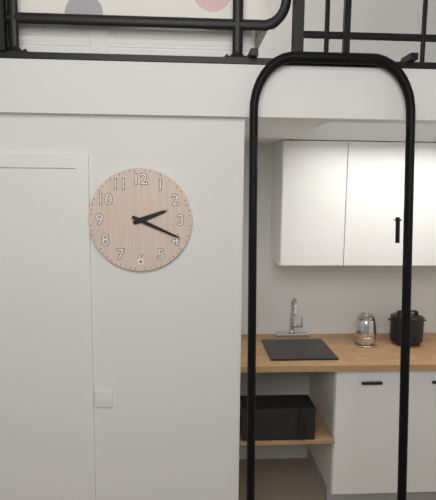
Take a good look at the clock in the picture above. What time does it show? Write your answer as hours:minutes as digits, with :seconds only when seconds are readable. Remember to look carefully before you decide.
2:19
